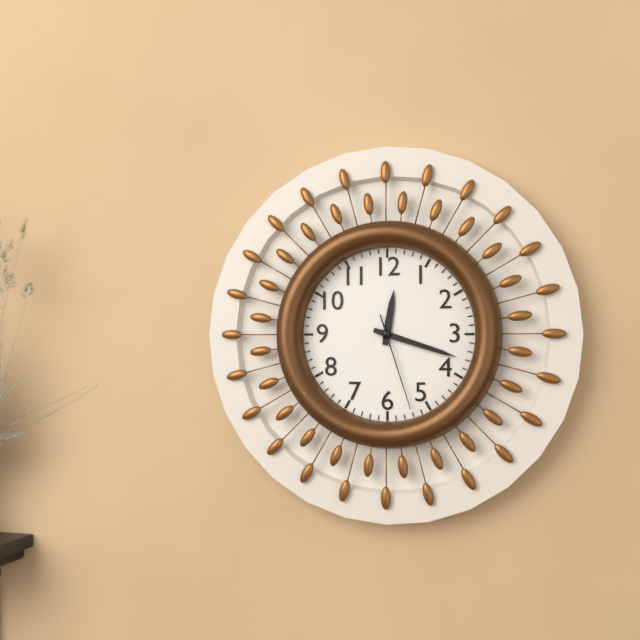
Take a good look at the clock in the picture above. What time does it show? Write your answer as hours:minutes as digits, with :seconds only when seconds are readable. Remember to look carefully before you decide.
12:18:27
